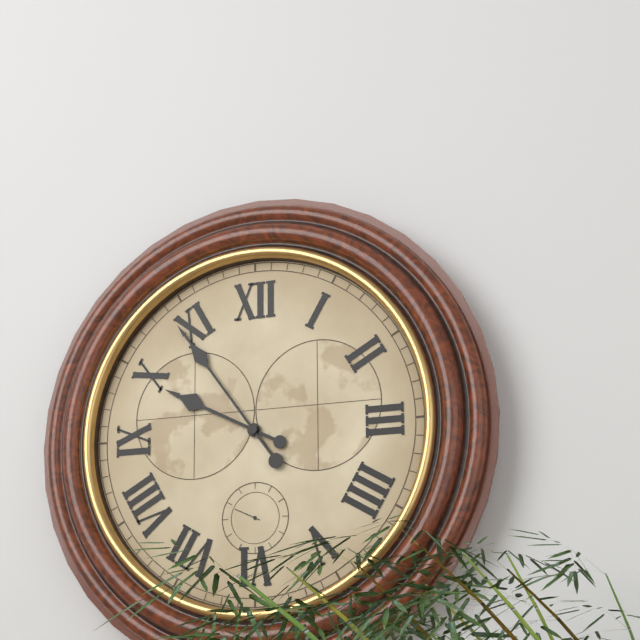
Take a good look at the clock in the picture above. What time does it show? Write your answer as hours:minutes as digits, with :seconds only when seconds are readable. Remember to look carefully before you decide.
9:54
